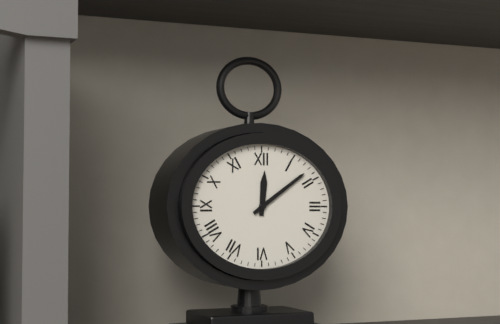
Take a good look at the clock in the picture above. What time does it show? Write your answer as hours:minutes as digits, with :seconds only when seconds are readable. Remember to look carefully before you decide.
12:09
